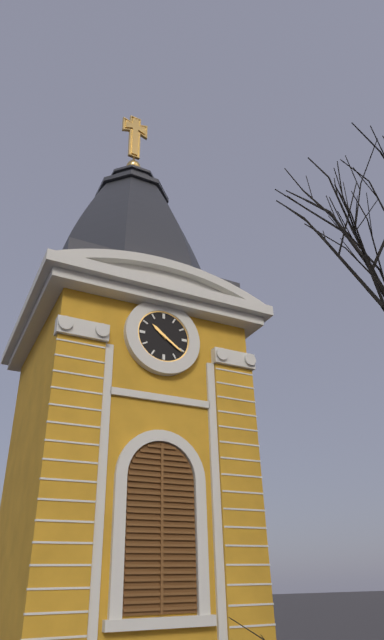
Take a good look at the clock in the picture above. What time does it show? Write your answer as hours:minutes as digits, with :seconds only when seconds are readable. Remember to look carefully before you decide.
10:21
